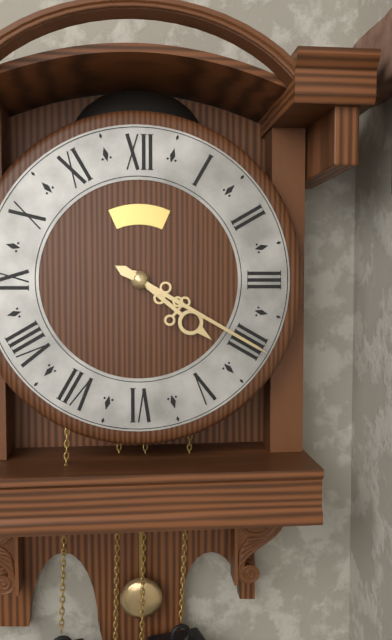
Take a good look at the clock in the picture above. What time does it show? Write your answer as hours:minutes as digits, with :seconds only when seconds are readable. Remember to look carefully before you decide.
4:20
